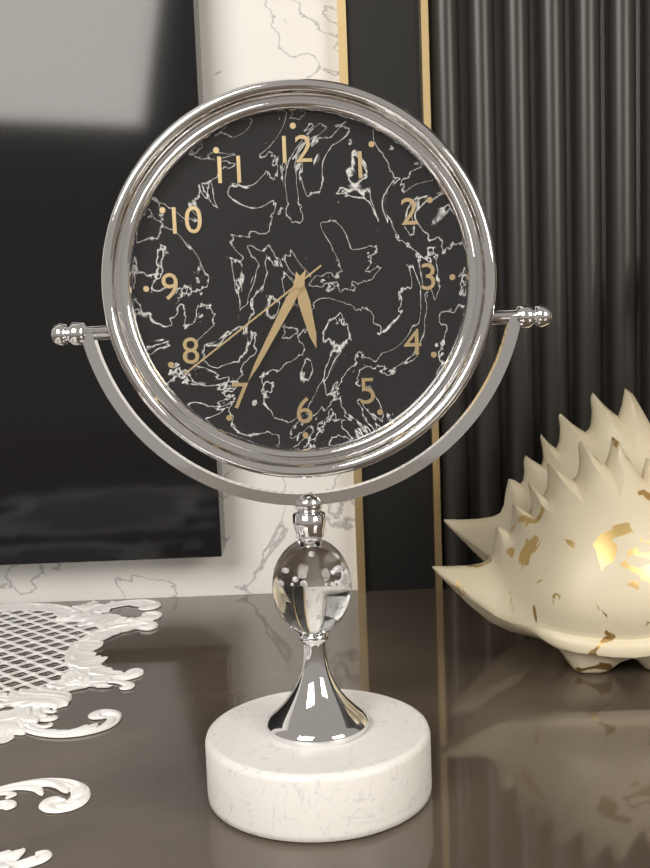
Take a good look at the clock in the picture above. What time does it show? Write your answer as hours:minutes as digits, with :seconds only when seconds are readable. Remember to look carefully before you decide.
5:35:39
